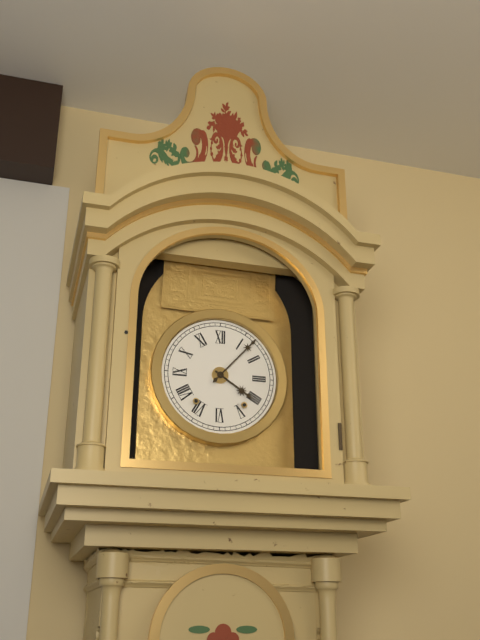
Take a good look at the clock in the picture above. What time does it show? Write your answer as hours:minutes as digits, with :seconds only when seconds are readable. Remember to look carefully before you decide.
4:07
